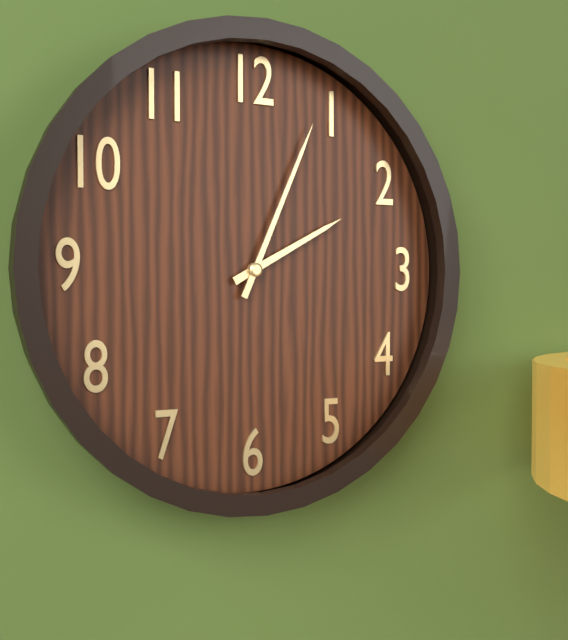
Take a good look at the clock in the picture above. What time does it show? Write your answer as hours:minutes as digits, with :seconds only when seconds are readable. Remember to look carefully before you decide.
2:04
